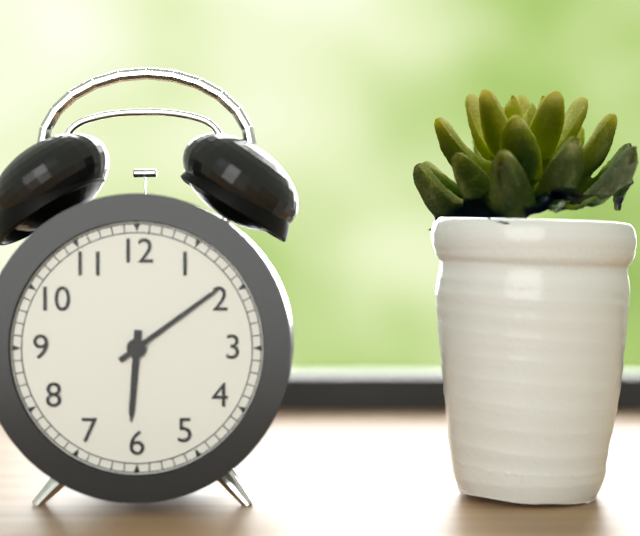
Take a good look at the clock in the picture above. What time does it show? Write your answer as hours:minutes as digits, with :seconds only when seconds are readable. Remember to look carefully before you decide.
6:09
